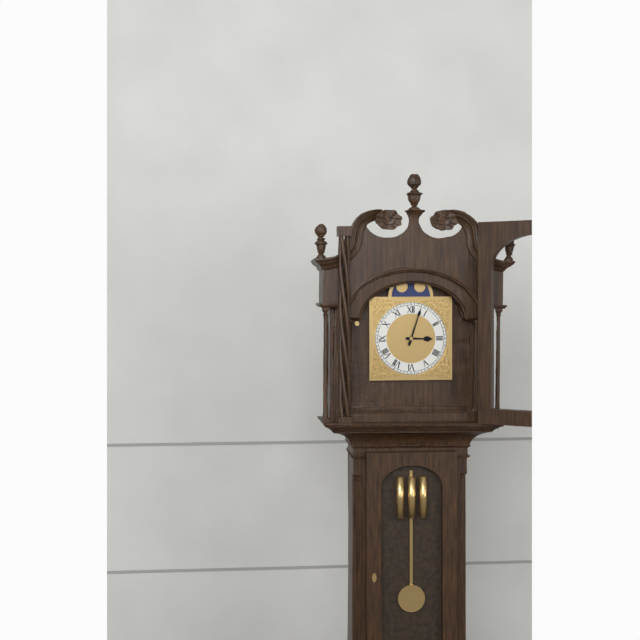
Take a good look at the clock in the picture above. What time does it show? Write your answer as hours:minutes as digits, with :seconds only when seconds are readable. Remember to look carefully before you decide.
3:03
